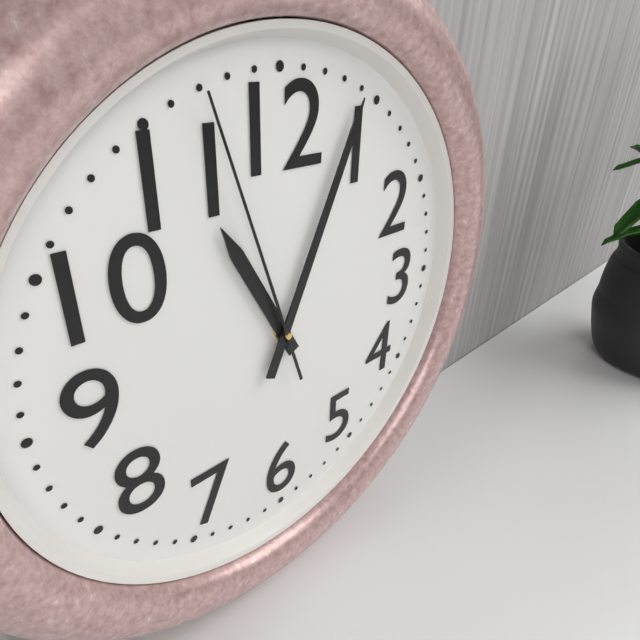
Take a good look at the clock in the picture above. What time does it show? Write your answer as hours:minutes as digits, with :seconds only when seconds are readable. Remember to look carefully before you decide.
11:04:57
